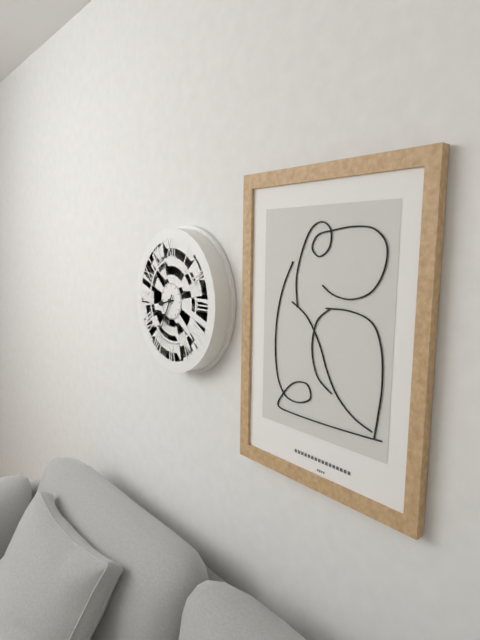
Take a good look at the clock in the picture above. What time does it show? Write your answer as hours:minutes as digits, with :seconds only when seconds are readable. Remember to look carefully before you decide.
8:35
